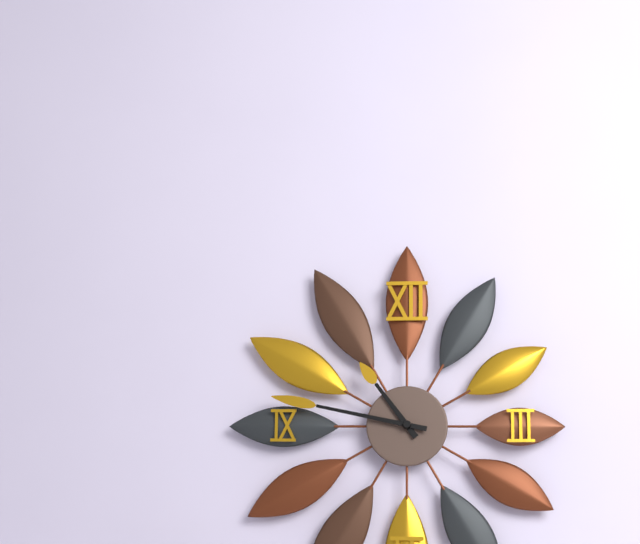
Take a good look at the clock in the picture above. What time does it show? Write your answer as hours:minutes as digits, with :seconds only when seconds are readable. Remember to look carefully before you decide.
10:47
